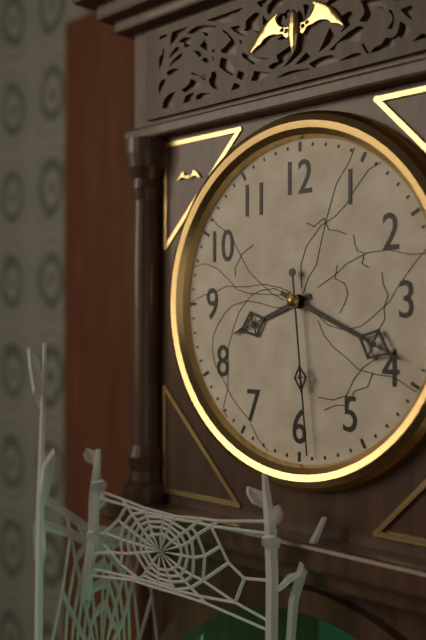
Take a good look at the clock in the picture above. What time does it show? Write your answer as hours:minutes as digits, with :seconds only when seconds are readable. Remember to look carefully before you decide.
8:19:29
